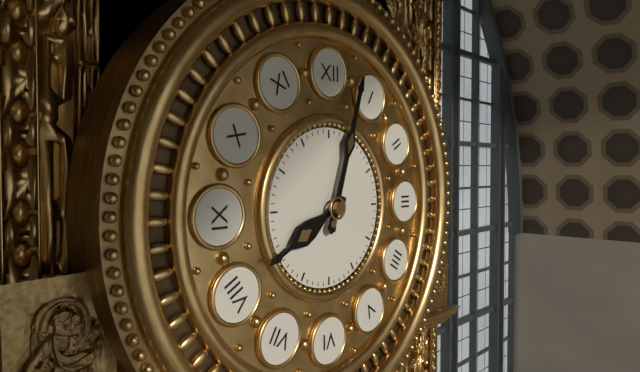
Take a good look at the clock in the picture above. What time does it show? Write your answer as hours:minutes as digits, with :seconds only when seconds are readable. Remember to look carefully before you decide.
8:03
